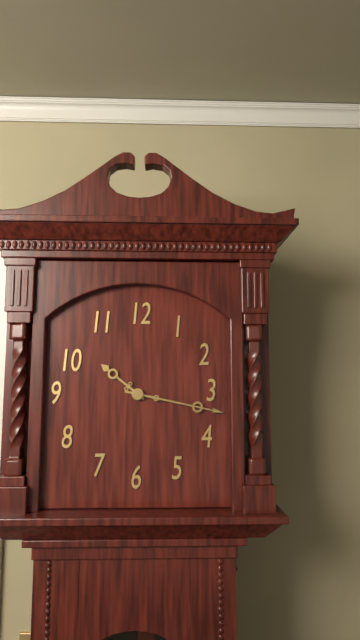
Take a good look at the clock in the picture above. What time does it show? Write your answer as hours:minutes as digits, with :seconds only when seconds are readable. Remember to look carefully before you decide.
10:17
